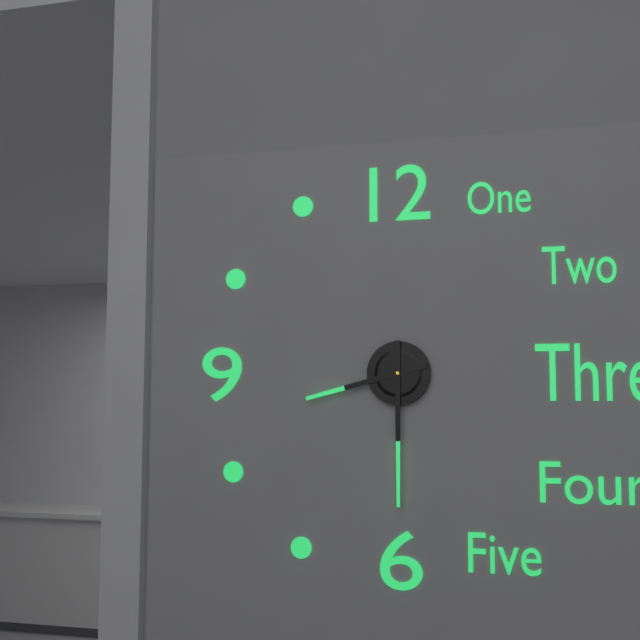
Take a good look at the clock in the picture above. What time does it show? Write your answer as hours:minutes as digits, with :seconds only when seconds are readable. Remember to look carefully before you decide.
8:30
